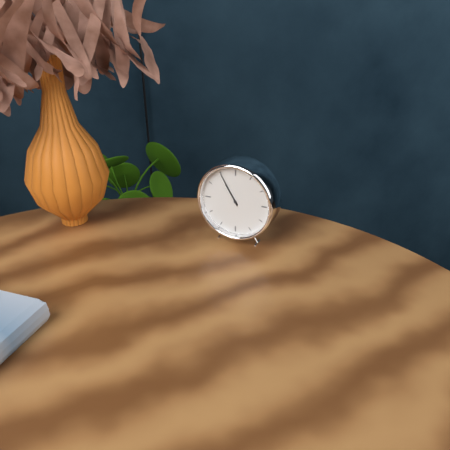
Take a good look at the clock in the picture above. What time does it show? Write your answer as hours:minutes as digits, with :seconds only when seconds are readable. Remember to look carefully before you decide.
10:55
